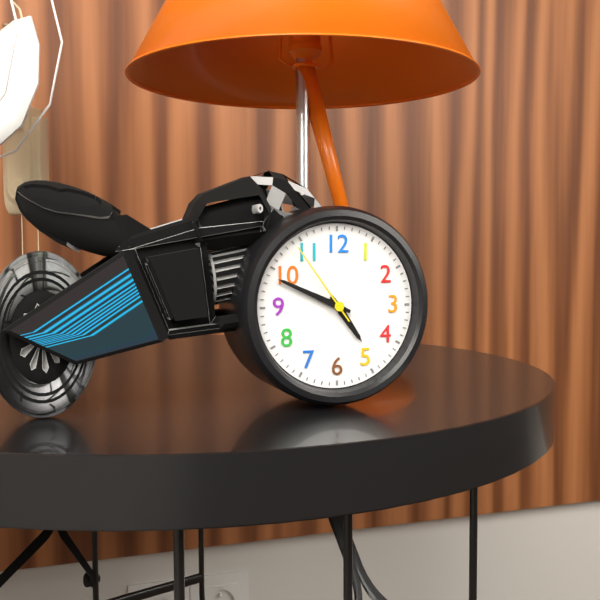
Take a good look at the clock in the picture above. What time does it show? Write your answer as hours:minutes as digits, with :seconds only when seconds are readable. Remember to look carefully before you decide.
4:49:54
